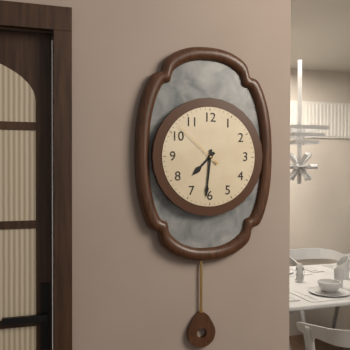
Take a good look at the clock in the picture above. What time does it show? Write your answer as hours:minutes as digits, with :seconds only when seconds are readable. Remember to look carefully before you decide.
7:31:52
